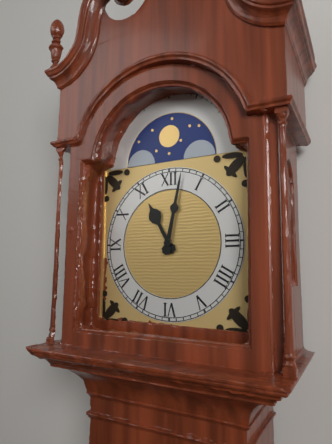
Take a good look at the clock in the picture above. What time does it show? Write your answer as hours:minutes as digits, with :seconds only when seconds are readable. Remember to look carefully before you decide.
11:02
